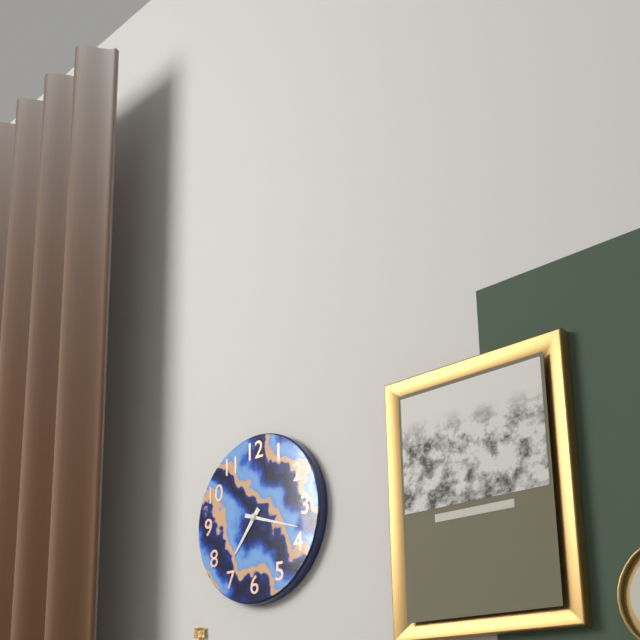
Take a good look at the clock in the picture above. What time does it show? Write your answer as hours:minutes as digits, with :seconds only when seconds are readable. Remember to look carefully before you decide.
7:18
